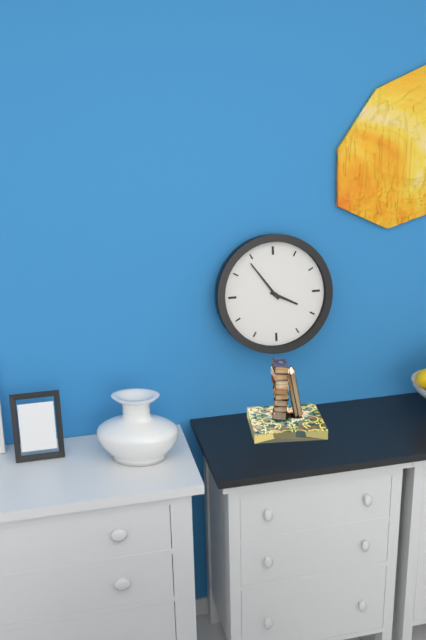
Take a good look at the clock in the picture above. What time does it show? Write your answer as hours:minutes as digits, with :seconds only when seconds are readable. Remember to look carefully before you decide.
3:54
